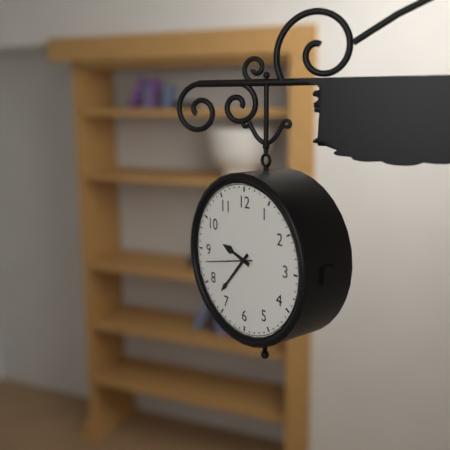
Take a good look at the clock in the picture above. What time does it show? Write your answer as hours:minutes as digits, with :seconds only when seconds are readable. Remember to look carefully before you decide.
9:37
